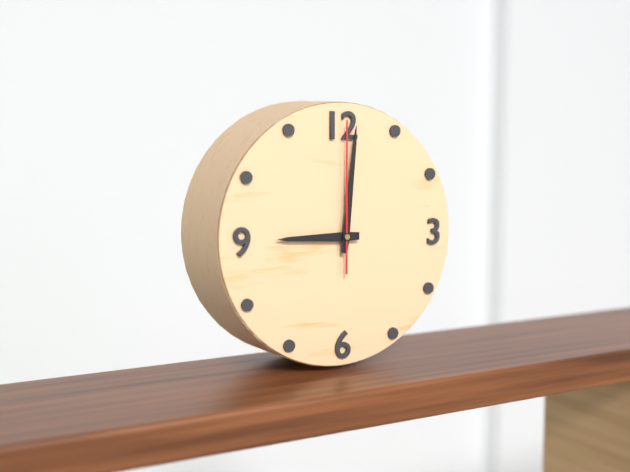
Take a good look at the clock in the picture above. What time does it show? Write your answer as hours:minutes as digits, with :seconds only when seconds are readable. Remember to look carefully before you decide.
9:01:00
